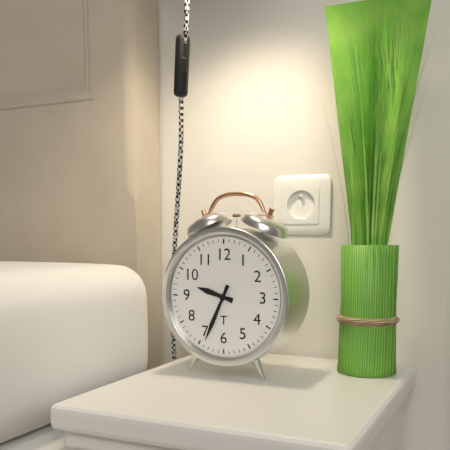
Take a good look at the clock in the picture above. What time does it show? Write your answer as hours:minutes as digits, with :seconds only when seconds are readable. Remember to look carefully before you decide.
9:34
